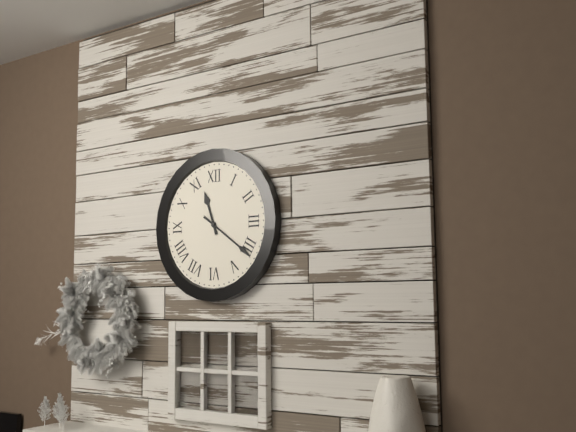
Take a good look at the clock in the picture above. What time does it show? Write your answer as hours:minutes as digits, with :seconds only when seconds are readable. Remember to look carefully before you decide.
11:21
